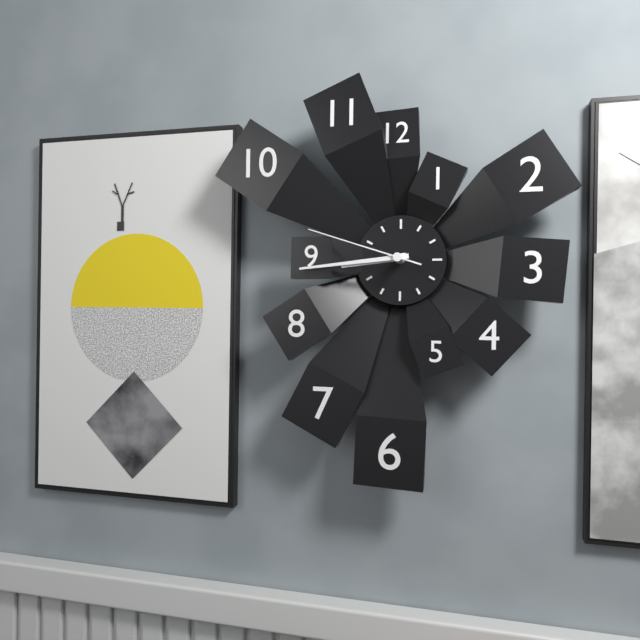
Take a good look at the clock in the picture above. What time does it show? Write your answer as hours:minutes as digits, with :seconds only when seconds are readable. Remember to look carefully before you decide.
8:44:48
